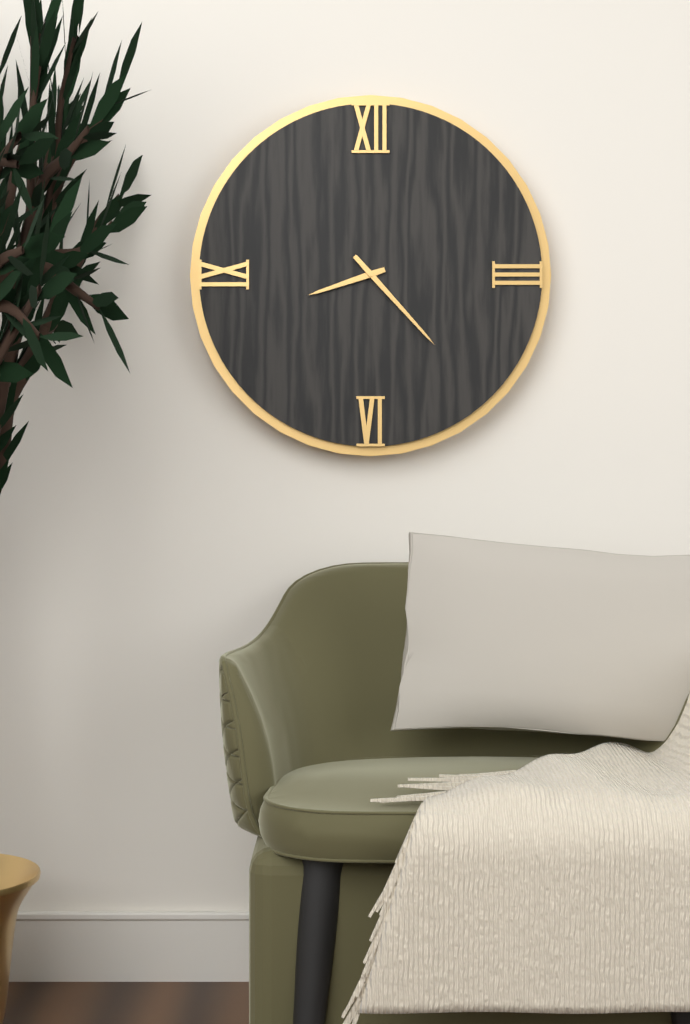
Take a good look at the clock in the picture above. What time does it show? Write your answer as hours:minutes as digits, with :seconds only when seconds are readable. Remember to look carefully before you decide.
8:23
